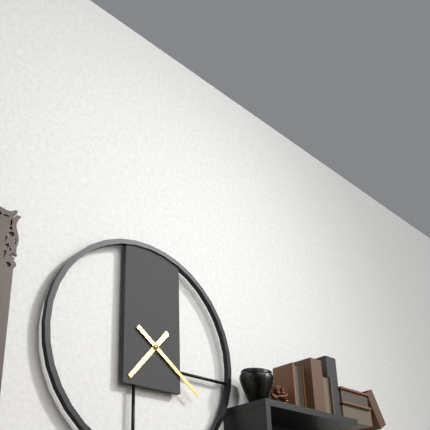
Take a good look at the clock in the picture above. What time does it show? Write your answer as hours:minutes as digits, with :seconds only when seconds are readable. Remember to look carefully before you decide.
7:21
